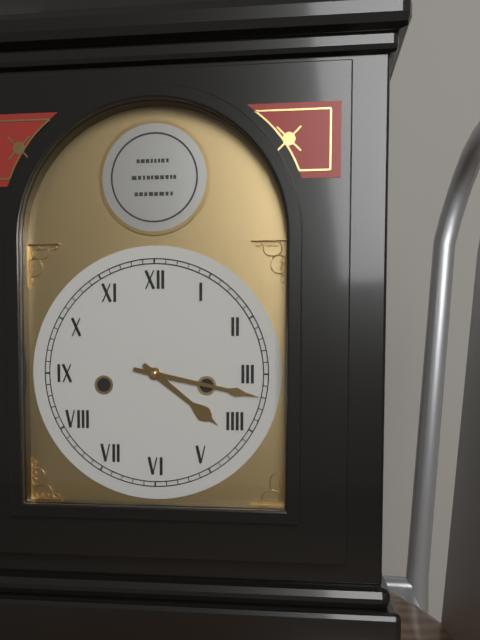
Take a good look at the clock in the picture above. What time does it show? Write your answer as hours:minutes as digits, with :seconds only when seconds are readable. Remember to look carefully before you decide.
4:17
